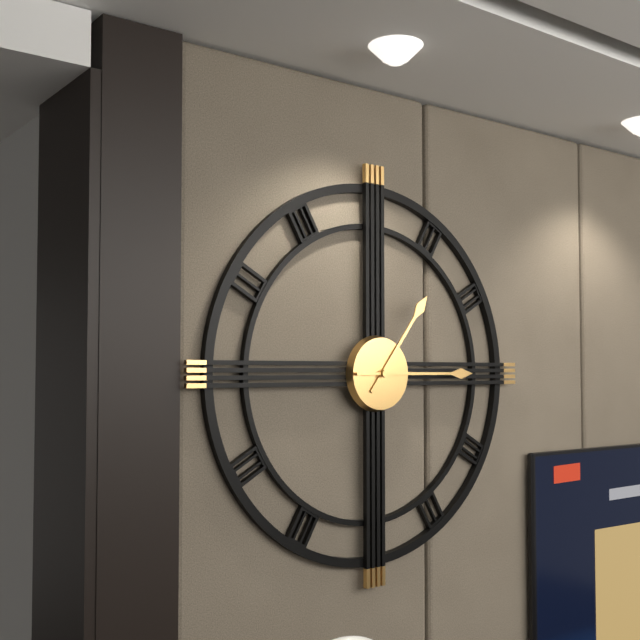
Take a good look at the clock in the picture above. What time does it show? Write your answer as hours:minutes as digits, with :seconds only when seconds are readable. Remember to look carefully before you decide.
1:15
